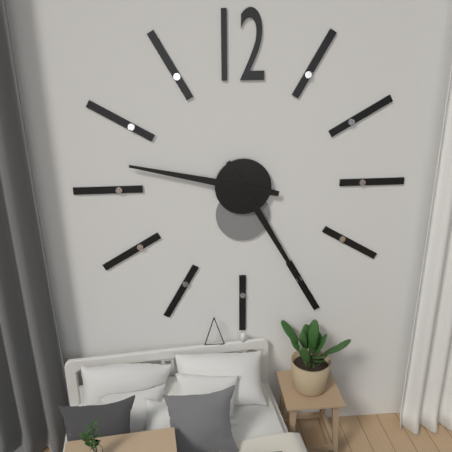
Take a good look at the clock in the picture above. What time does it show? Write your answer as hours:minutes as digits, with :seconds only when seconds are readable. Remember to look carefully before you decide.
9:25
